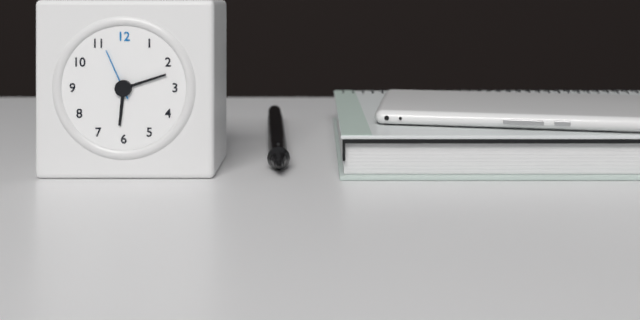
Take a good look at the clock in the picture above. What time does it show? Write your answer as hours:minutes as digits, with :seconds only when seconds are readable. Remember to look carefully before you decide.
6:12:56
